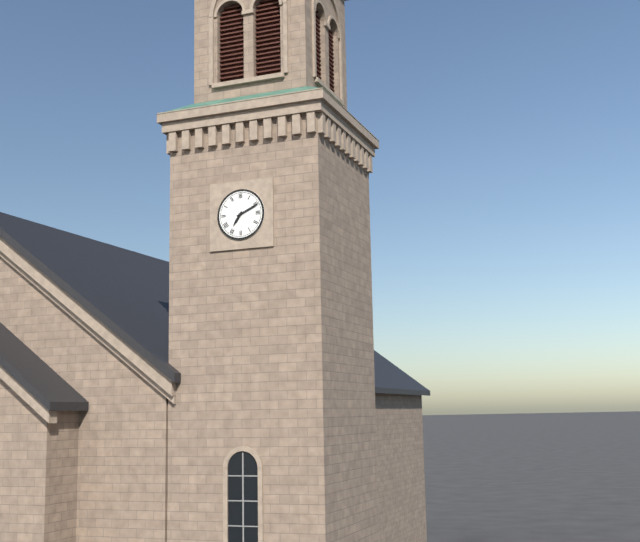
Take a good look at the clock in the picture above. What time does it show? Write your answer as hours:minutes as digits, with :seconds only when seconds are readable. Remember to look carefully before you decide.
7:11
